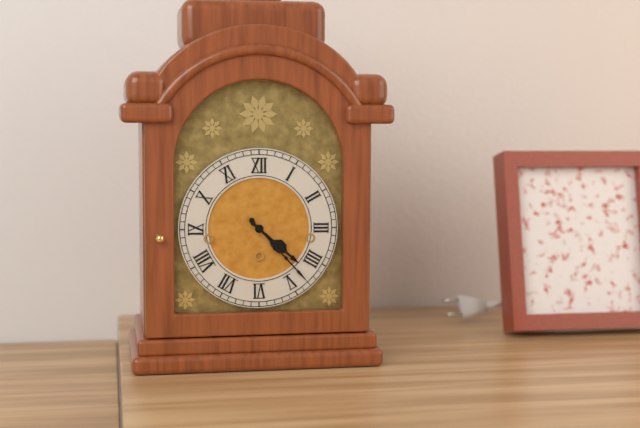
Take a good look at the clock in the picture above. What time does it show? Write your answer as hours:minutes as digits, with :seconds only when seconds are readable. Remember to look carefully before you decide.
4:23
